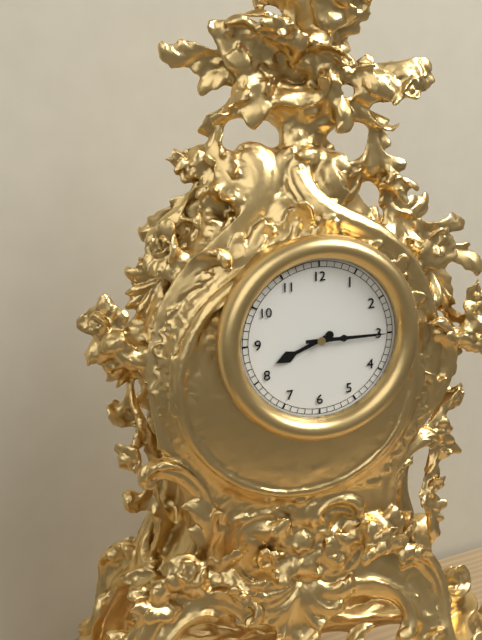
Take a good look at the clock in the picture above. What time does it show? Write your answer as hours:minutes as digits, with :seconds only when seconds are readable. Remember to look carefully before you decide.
8:15
